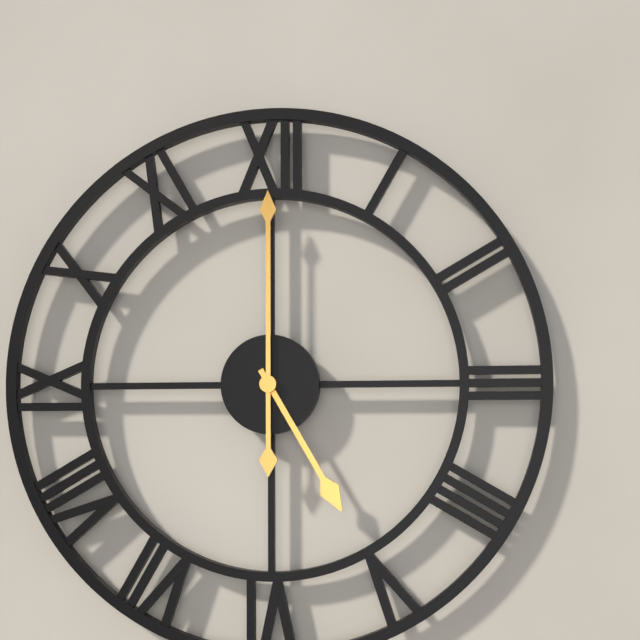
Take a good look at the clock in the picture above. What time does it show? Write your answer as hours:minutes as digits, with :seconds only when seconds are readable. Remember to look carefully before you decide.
5:00
